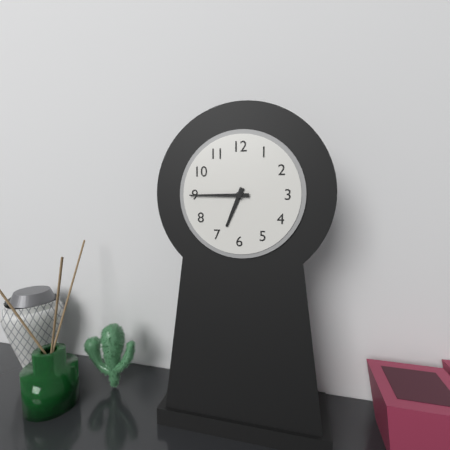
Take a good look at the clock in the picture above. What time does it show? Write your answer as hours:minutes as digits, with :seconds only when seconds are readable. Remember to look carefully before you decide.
6:45
